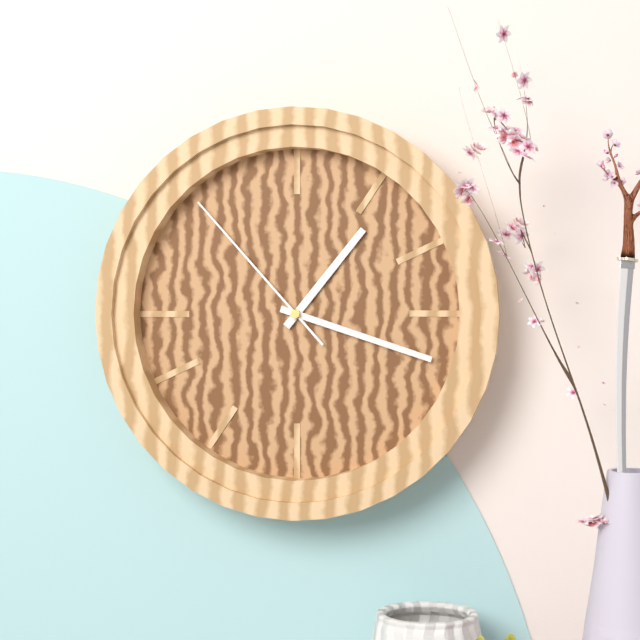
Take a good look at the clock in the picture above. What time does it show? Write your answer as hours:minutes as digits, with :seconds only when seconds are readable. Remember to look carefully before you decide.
1:18:53
